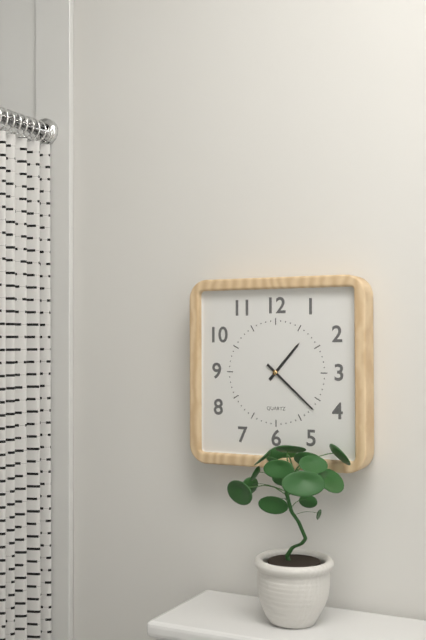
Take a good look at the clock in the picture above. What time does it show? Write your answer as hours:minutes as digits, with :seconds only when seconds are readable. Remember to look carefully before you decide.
1:22
